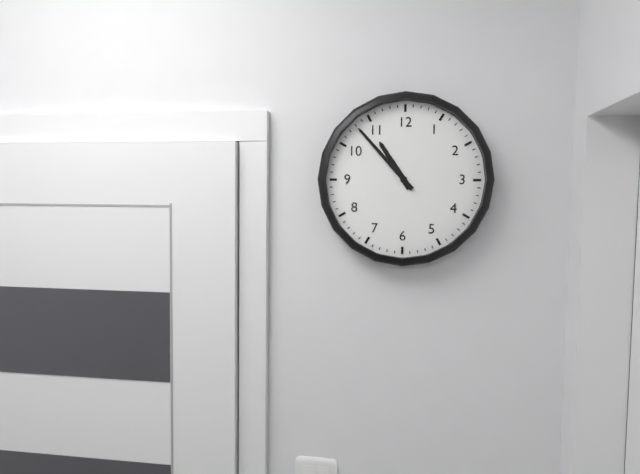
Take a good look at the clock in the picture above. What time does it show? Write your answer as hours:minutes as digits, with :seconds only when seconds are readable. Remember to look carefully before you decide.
10:53
